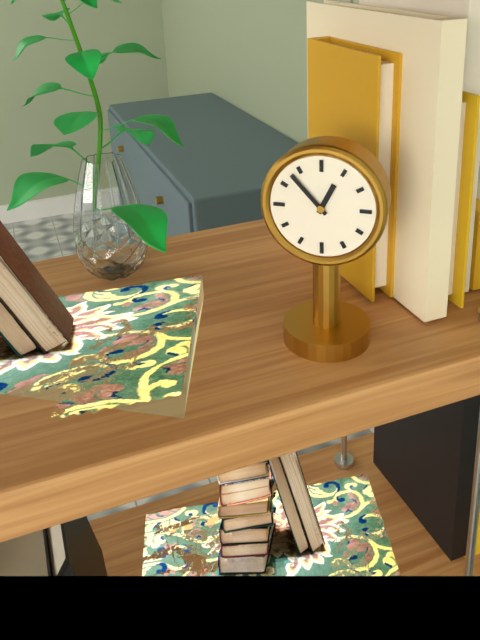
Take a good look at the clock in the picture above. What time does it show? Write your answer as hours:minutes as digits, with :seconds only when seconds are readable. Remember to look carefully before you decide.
12:53
